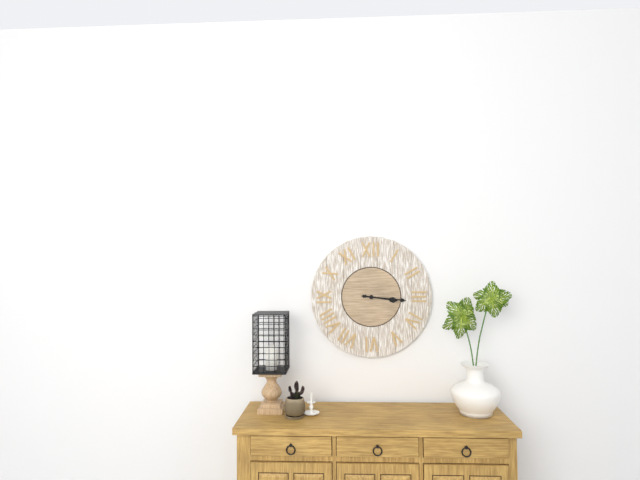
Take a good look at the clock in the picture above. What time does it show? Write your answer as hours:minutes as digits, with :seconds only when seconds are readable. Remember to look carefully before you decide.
3:16
